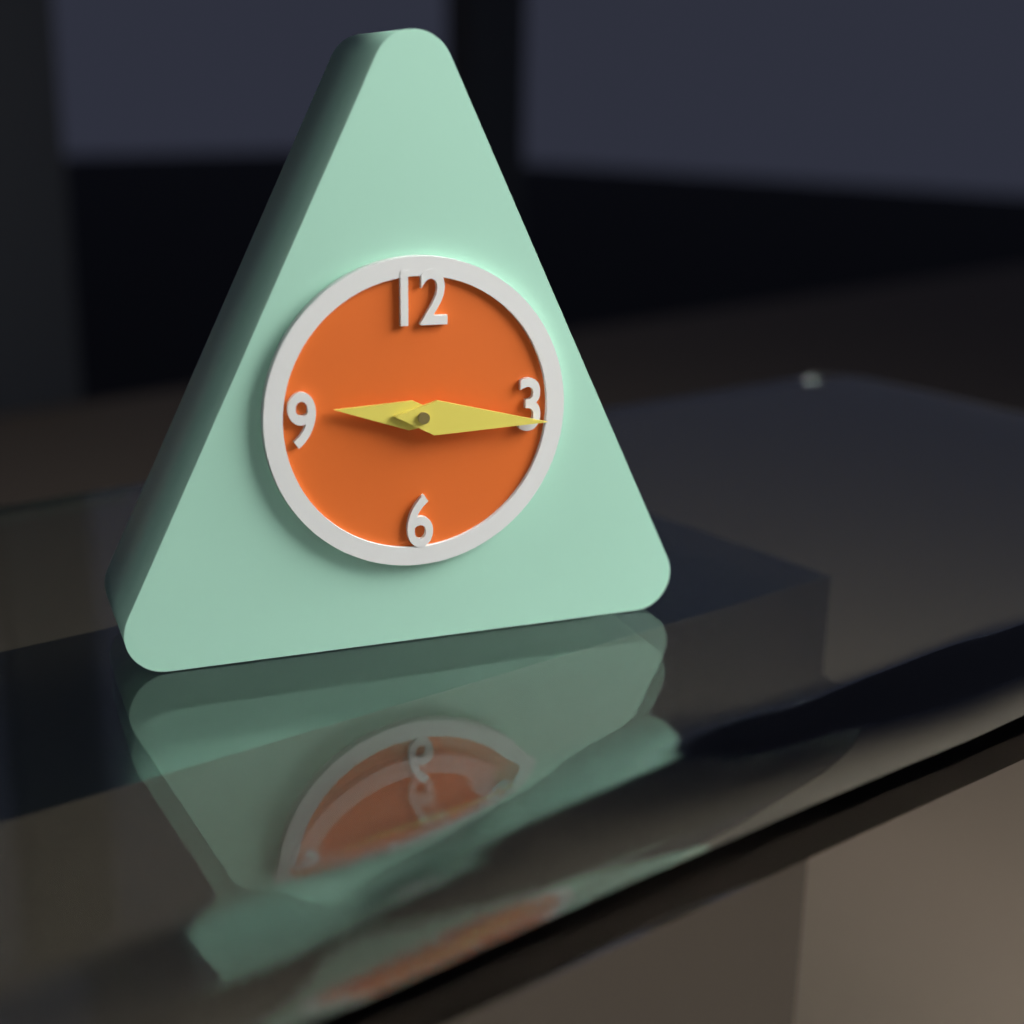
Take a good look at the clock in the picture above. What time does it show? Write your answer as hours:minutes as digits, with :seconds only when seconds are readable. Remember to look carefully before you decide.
9:16
